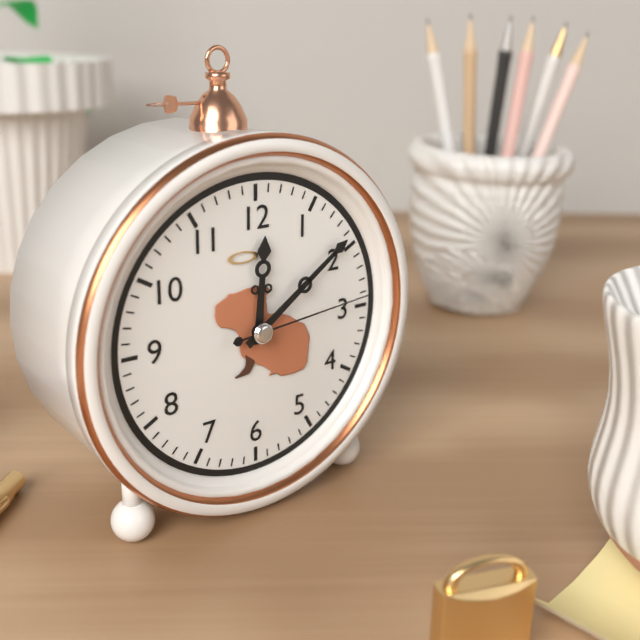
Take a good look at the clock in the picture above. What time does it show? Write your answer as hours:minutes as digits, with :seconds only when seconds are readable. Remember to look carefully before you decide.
12:09:14
